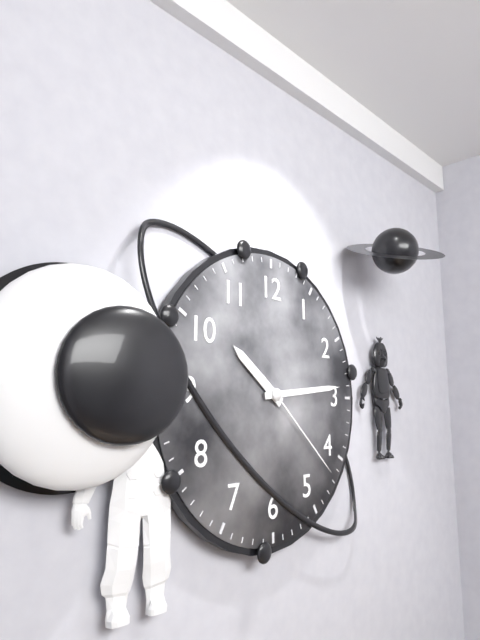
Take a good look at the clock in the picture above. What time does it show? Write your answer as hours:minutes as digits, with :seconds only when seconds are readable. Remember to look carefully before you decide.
10:14:22
